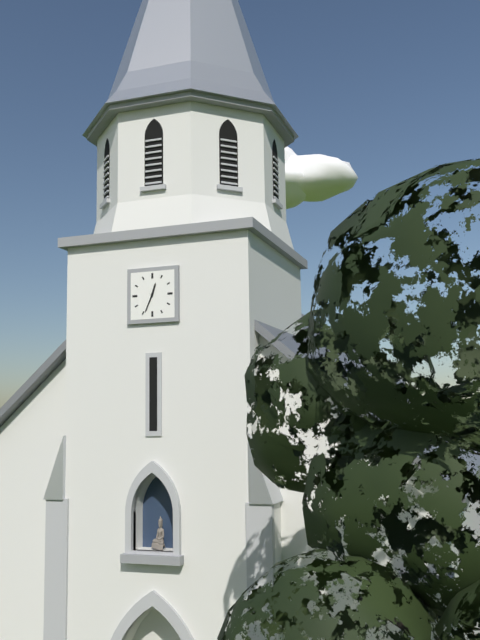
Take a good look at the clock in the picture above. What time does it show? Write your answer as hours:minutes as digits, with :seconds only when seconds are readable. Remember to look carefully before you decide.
12:34
